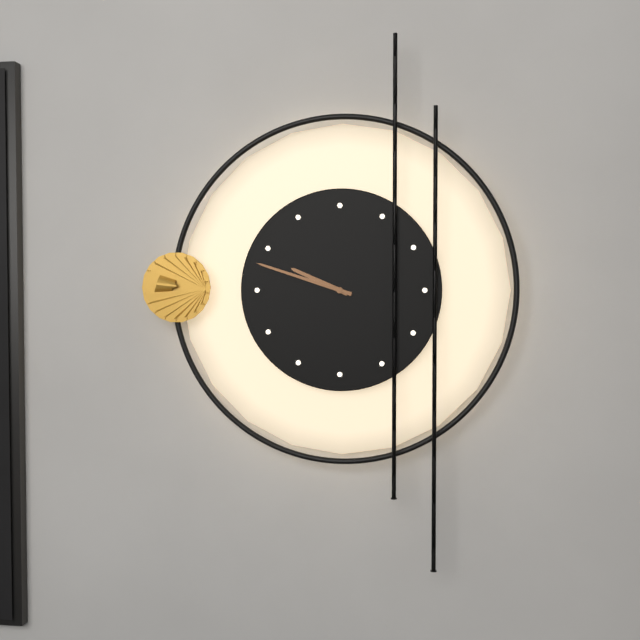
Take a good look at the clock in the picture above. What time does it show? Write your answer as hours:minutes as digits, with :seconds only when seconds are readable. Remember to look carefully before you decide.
9:48
